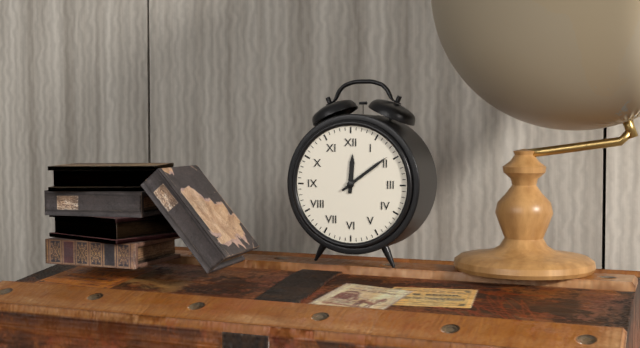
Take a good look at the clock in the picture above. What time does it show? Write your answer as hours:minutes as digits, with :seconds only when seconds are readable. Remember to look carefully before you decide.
12:09
